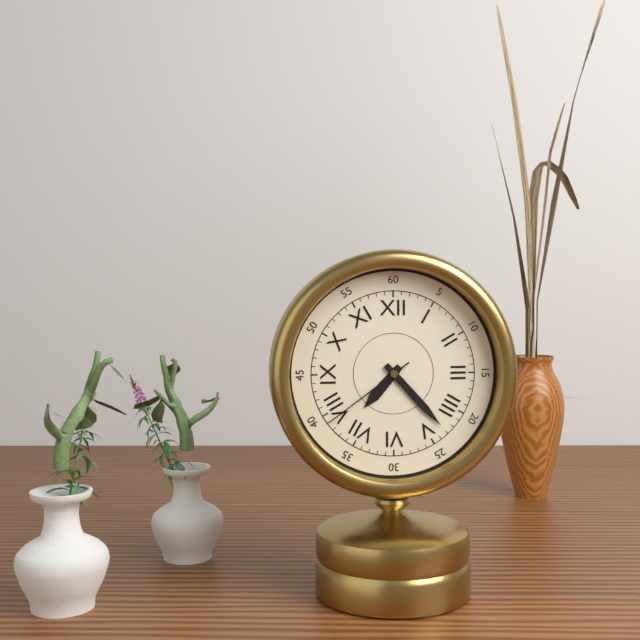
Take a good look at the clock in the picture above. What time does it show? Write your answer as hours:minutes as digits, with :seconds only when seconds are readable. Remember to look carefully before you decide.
7:23:39
